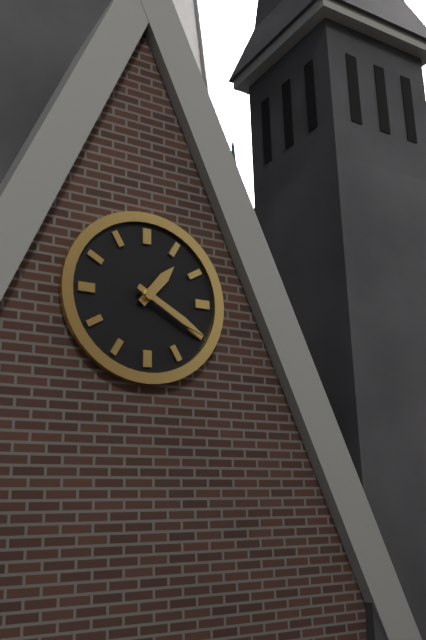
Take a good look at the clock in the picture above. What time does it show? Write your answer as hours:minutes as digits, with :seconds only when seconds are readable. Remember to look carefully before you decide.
1:20
